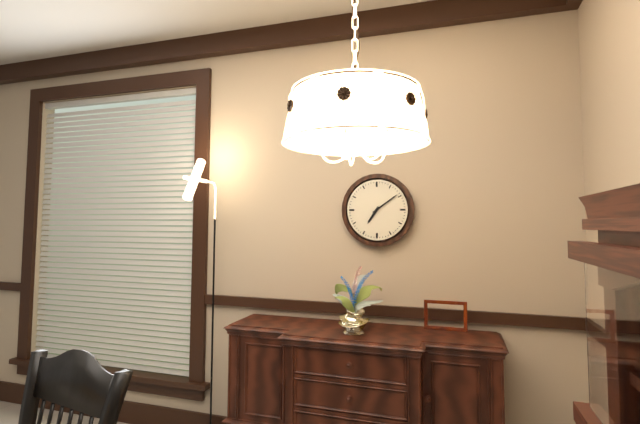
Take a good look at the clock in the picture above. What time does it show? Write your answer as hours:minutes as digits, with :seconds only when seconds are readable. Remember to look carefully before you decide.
7:09
